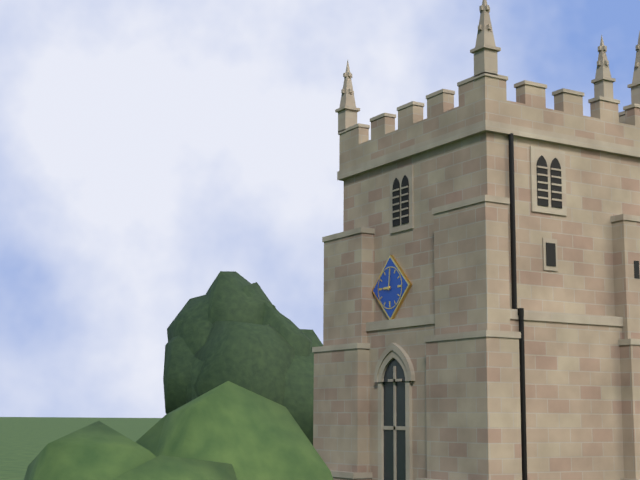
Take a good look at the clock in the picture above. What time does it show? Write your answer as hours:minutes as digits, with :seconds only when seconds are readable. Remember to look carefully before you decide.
9:01
